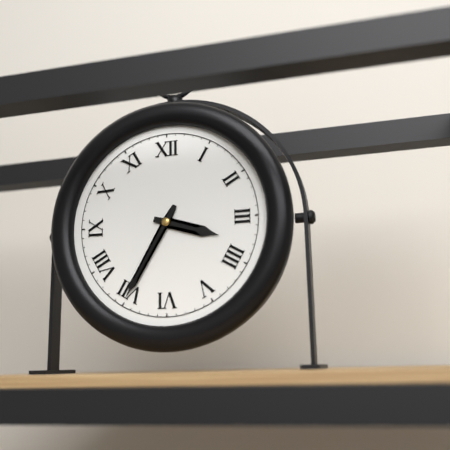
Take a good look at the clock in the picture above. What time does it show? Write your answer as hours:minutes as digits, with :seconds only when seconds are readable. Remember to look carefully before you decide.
3:35
